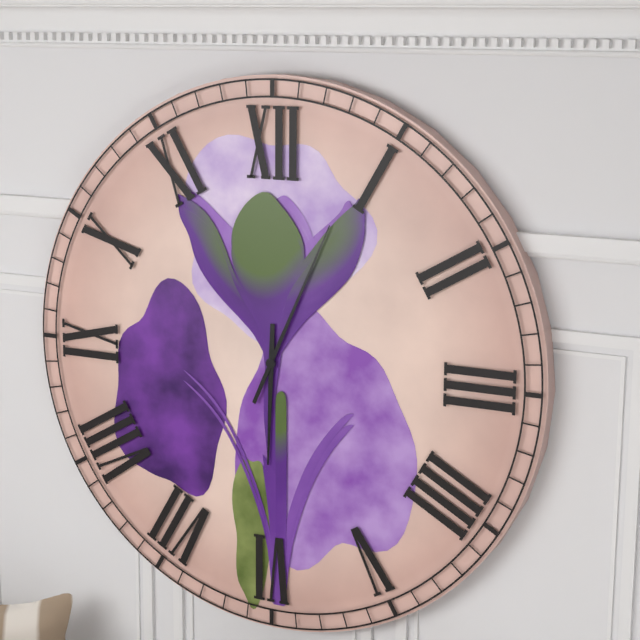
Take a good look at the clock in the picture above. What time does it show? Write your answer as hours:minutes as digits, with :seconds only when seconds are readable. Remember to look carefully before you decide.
6:04
